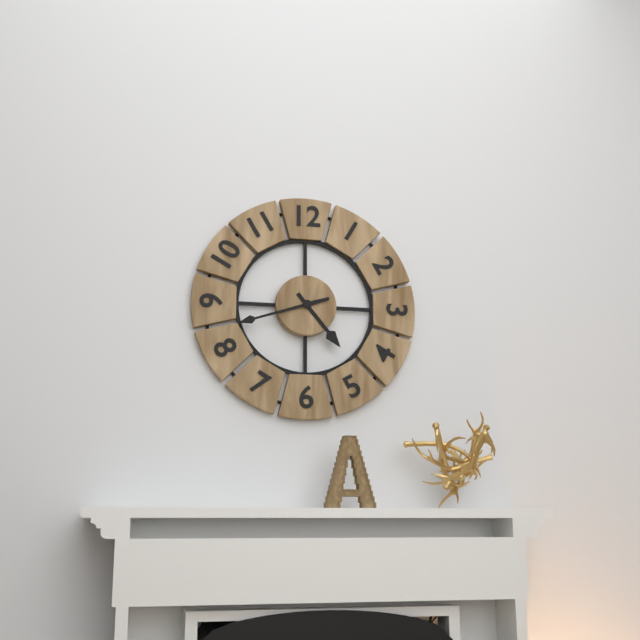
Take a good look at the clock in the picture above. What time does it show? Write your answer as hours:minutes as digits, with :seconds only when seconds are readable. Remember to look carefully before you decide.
4:42
